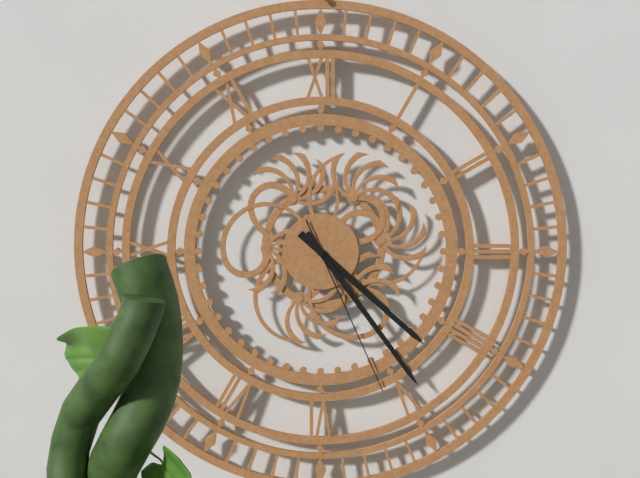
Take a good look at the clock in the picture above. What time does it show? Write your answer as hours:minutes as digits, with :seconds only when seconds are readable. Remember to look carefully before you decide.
4:24:26
